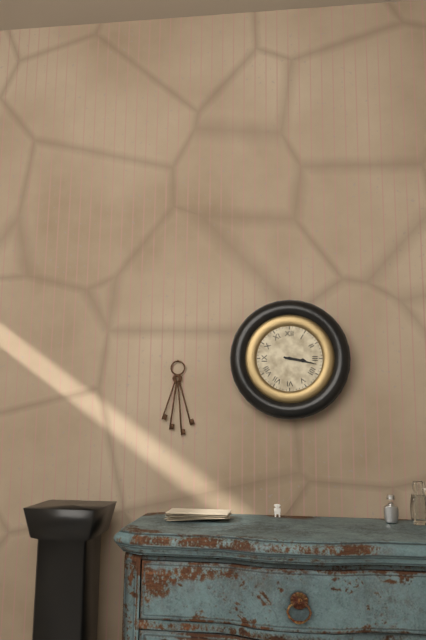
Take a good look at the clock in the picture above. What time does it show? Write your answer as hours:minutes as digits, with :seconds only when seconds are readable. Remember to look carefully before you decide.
3:17
